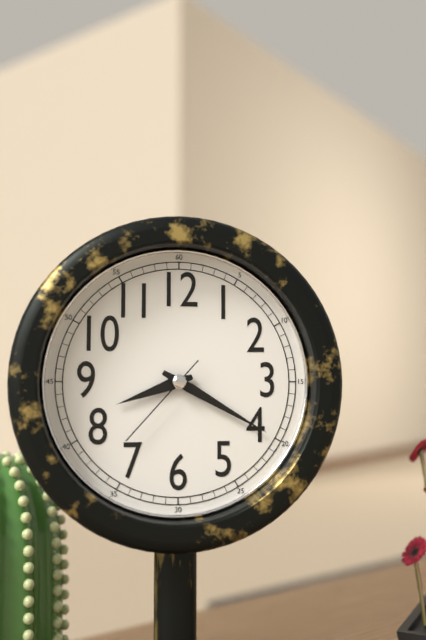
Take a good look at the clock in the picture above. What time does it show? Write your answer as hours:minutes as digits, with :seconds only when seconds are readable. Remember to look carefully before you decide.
8:20:37
